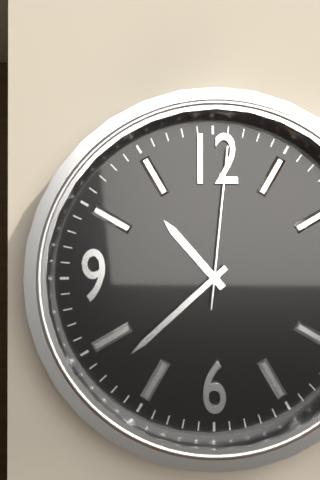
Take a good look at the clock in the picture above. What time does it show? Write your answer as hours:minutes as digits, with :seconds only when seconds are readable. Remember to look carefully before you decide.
10:38:01
